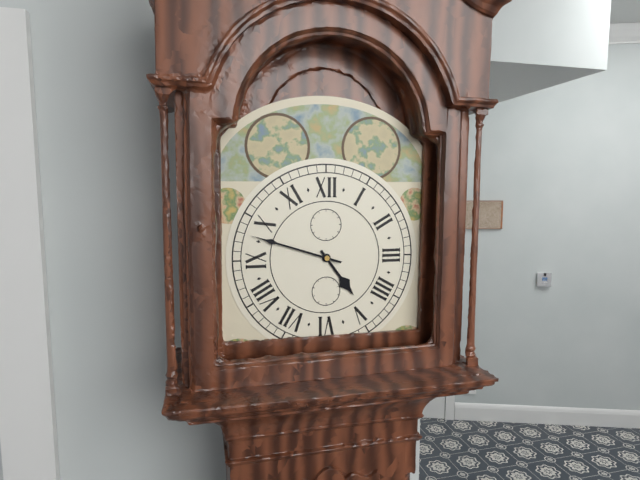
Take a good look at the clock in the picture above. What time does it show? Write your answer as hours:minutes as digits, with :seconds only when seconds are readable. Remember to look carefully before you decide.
4:48
